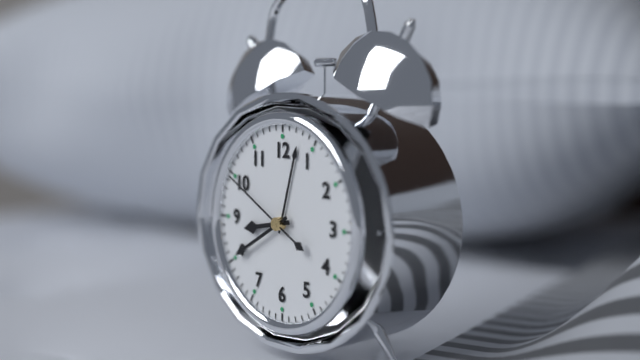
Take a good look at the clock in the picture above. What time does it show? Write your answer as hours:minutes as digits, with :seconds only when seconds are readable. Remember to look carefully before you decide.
8:40:50
